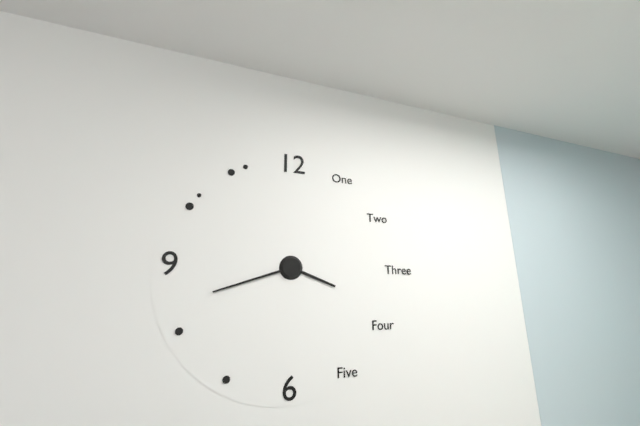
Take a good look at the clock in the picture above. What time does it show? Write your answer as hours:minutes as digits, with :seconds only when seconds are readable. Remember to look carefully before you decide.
3:42
